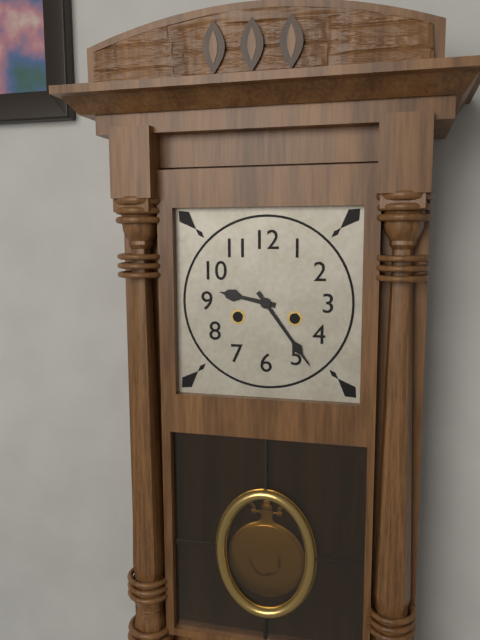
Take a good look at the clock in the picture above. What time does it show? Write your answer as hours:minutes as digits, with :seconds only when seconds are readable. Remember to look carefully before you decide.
9:24
